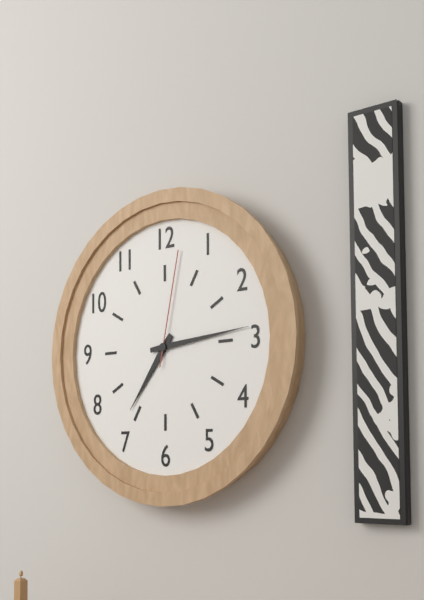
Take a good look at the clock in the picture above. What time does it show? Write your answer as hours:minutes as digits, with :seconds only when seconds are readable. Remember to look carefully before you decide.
7:14:02
